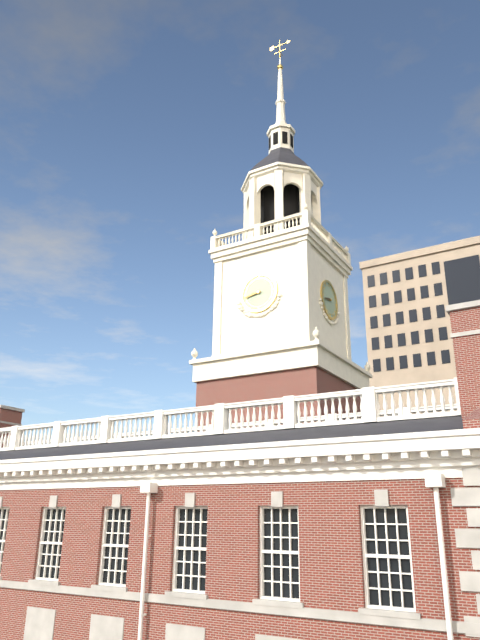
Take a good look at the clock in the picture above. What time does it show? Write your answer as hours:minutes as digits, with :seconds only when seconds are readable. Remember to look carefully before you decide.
8:43
